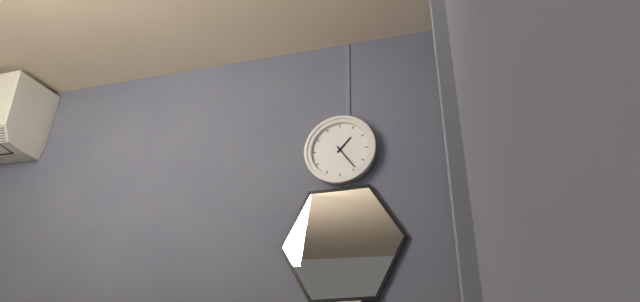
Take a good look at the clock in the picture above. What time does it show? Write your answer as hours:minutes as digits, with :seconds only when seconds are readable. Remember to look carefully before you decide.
1:24
